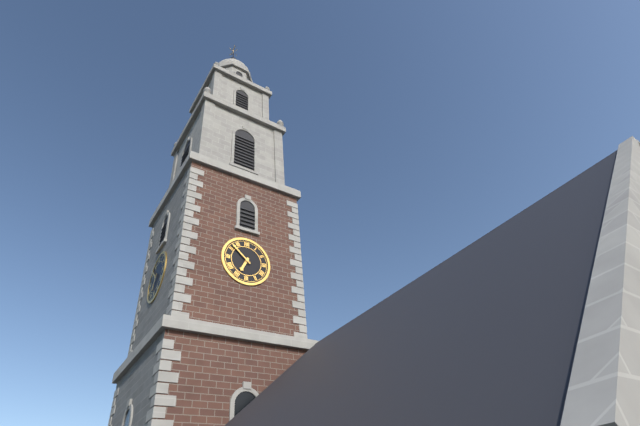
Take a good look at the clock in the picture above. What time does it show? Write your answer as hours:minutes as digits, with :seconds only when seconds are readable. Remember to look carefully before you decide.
6:52
